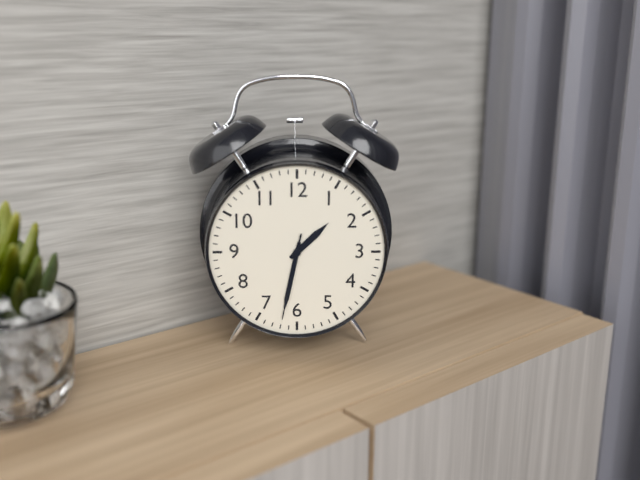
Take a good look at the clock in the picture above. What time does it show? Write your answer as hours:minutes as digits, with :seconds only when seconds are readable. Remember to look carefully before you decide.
1:32:32
